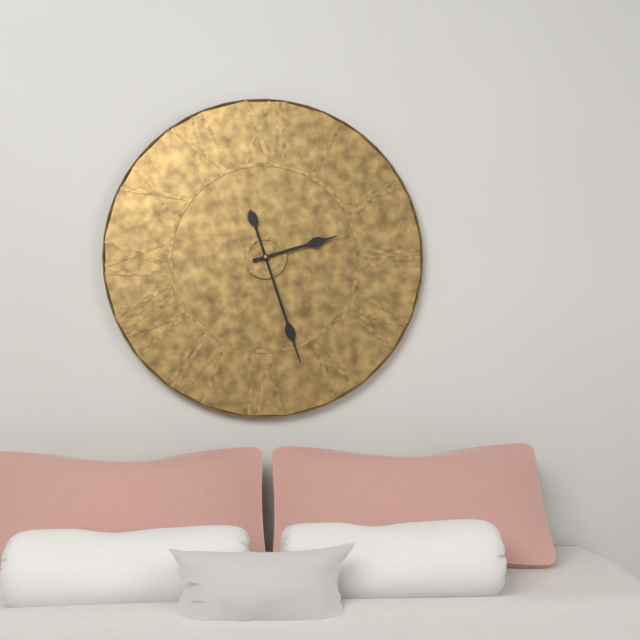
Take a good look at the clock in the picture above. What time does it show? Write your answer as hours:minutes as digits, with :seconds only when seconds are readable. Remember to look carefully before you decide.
2:27
